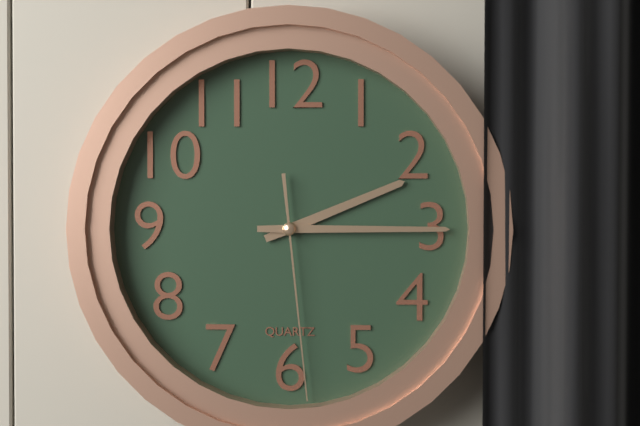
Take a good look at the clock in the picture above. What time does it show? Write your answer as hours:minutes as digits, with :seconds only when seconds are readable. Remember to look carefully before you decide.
2:15:29
